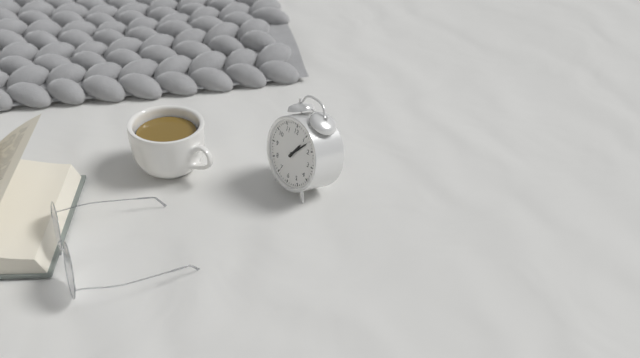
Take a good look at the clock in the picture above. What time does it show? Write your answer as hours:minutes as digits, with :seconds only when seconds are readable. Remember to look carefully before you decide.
1:07
